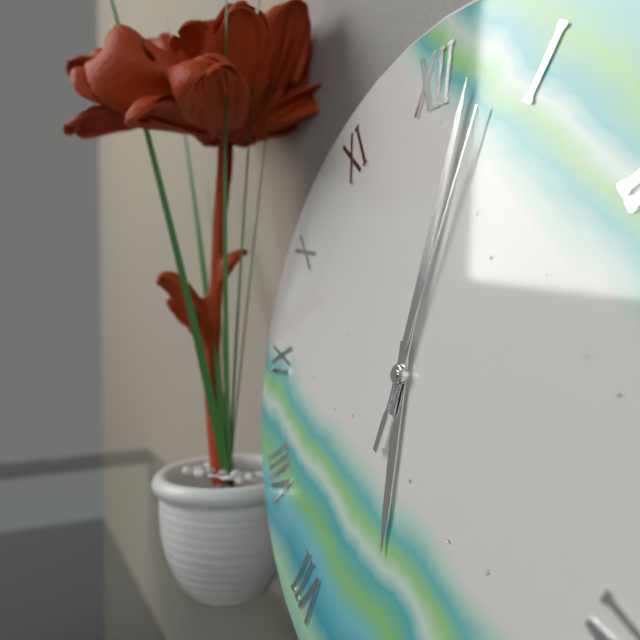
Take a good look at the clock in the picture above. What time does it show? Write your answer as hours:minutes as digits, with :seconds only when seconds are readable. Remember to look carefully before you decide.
6:02:03
